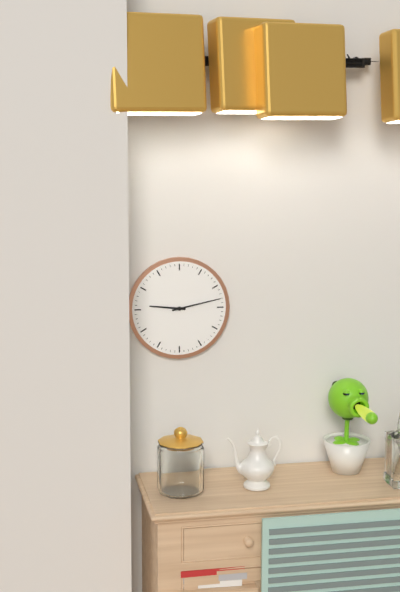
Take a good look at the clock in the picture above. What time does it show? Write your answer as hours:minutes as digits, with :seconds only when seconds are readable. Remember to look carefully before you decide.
9:13
